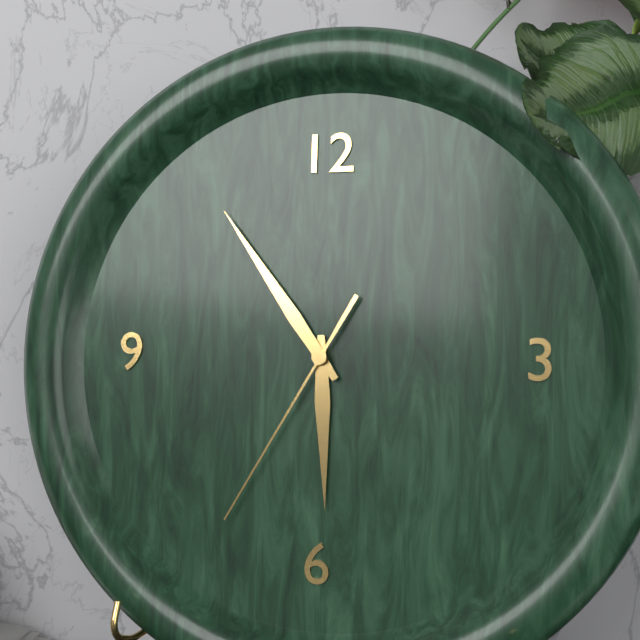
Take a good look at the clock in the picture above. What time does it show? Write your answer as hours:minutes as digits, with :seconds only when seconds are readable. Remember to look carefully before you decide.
5:54:35
